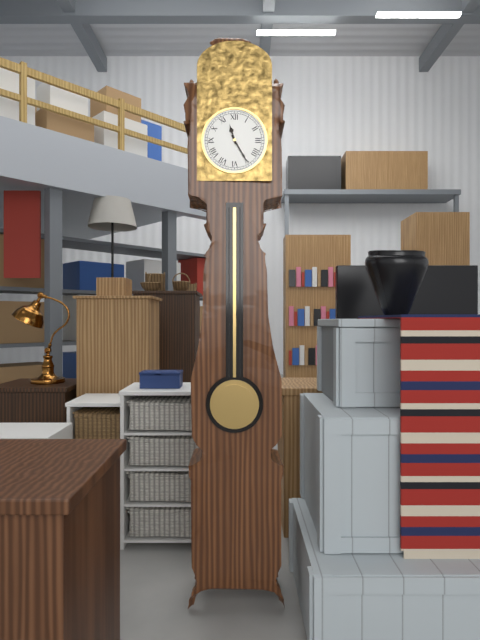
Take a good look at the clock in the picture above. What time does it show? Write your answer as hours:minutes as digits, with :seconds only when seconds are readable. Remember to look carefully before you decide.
11:25
